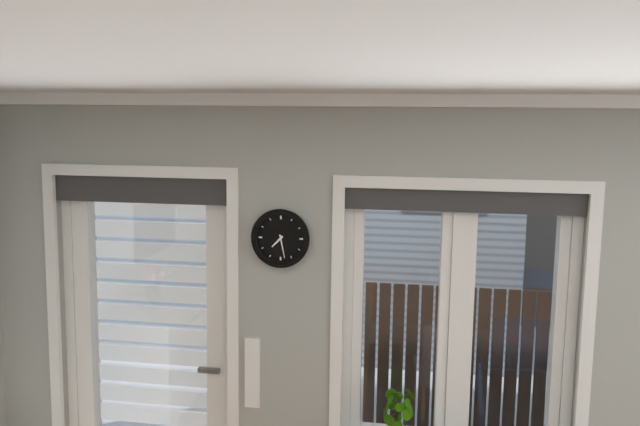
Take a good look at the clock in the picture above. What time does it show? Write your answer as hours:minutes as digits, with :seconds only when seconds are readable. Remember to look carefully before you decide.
7:28
